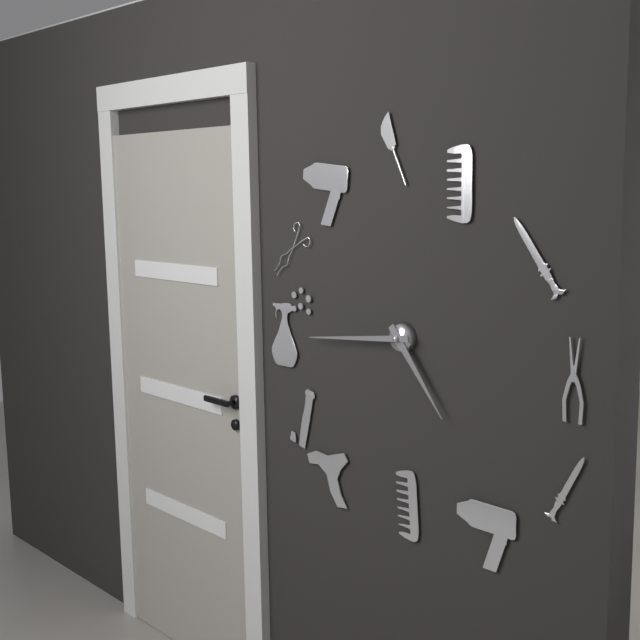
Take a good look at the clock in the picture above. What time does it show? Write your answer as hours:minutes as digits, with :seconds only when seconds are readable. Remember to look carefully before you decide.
4:44
